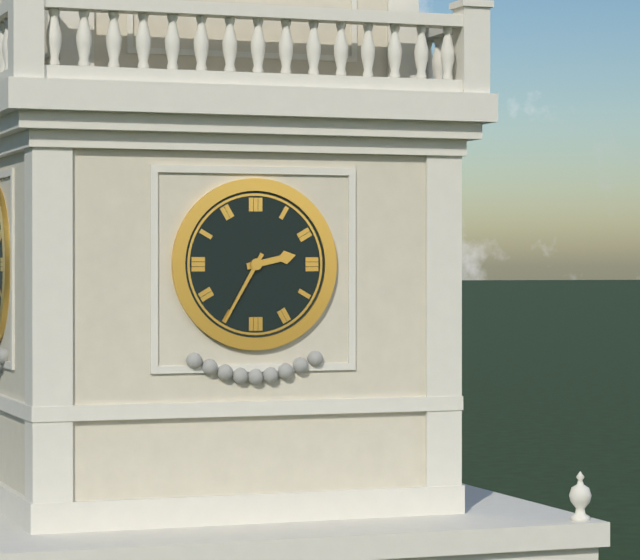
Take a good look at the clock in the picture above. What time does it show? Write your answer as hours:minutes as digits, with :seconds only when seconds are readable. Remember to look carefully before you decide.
2:35
